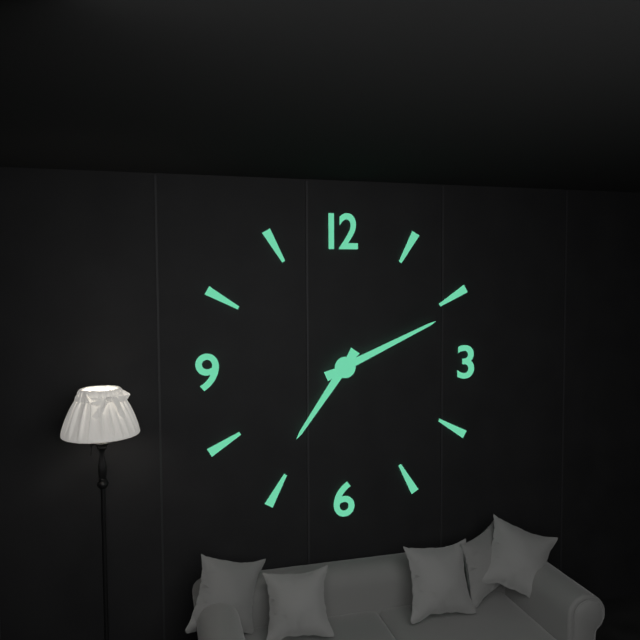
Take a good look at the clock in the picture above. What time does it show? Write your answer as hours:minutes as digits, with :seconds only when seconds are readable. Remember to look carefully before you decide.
7:11
